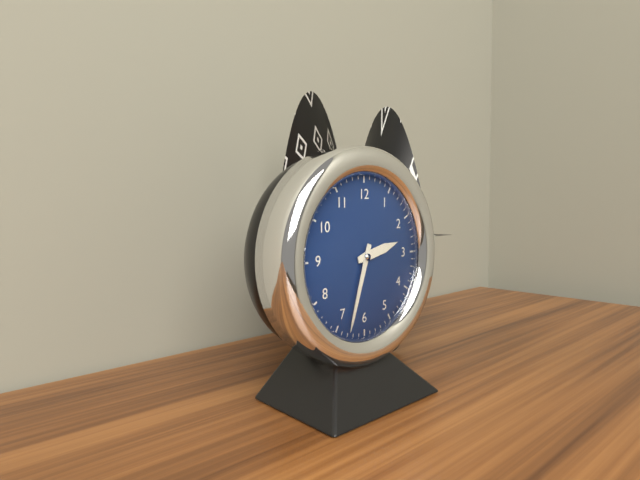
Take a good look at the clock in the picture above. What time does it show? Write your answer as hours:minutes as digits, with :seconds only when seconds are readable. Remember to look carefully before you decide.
2:33
